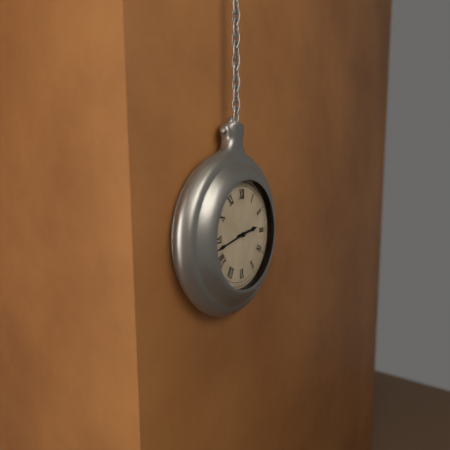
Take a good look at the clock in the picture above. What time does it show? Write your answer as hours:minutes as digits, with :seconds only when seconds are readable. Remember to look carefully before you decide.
2:43
